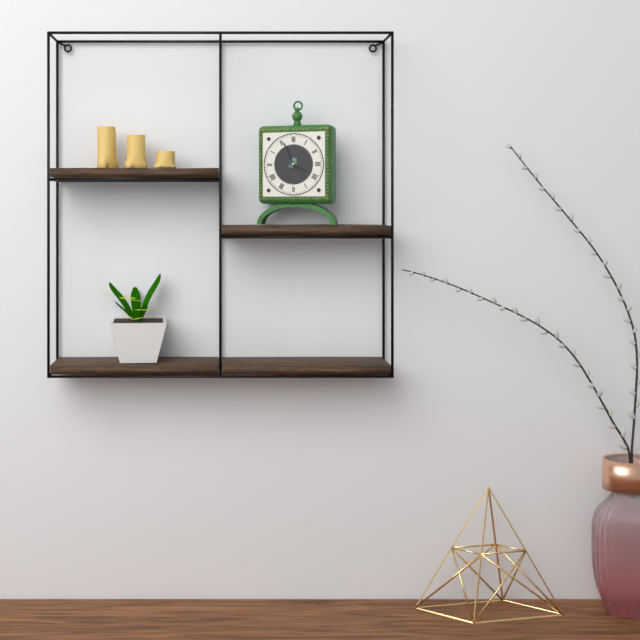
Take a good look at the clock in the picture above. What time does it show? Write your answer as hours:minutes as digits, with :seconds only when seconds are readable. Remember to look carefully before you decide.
3:56
